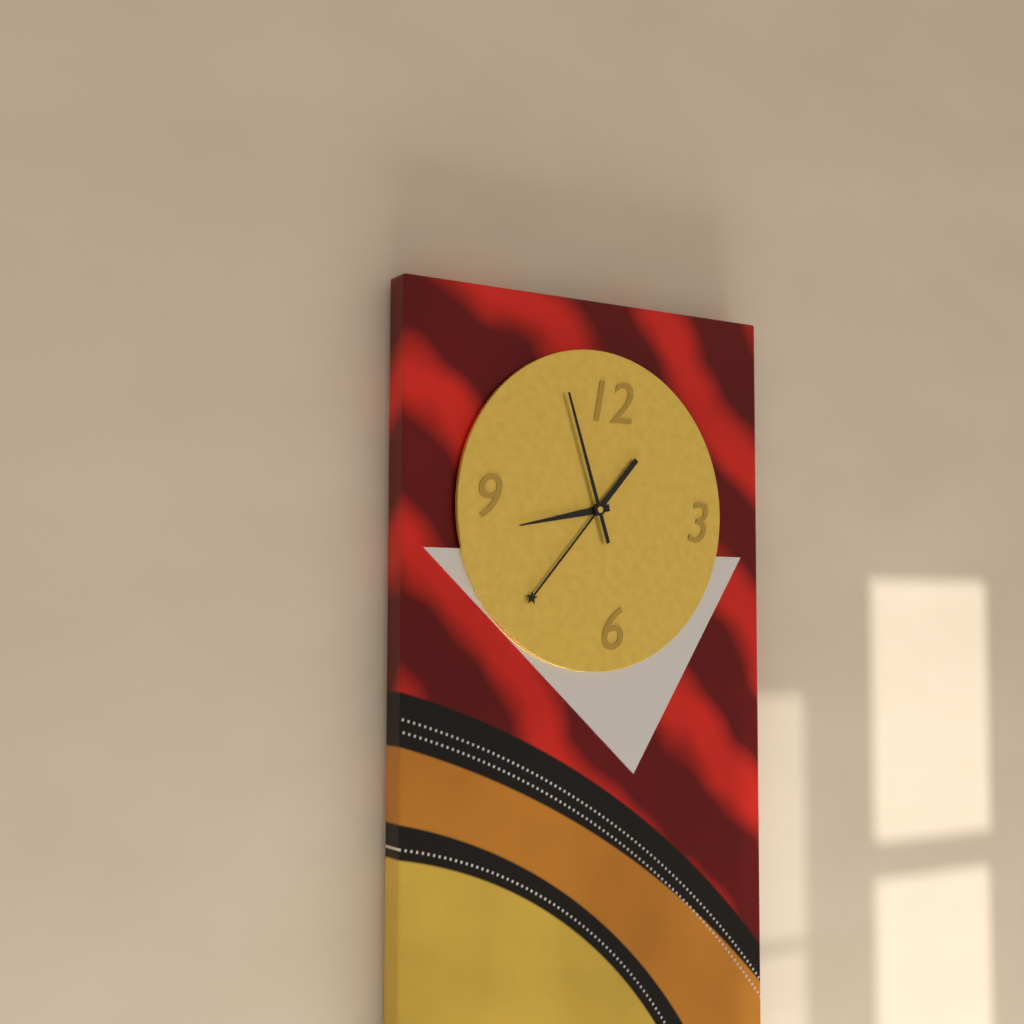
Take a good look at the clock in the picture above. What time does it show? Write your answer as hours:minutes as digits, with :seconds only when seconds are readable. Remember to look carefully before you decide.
8:37:57
